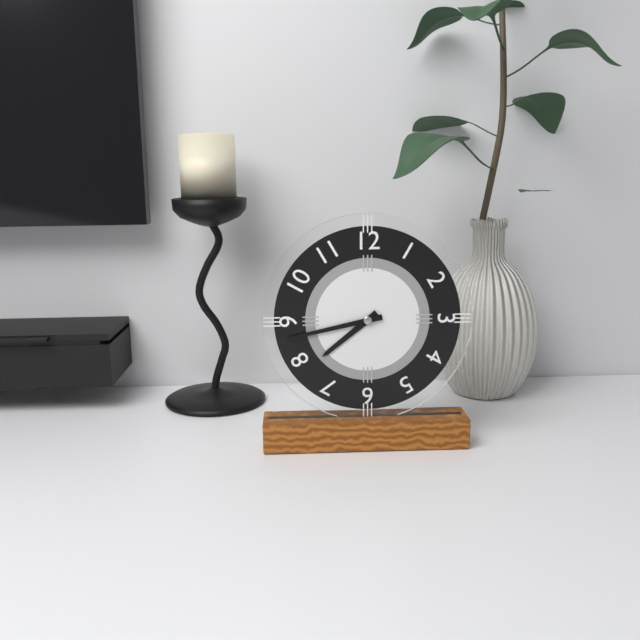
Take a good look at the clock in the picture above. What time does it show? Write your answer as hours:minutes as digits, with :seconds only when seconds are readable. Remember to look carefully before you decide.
7:43
